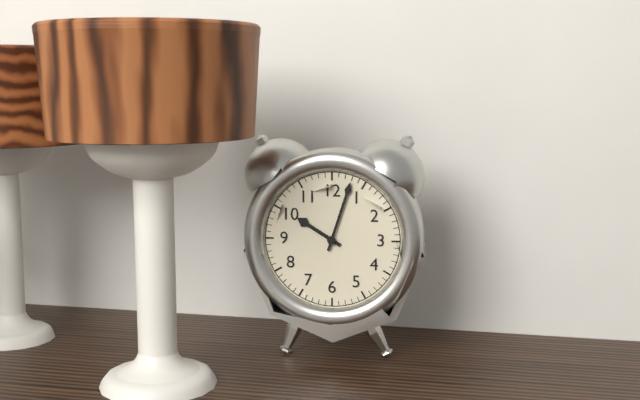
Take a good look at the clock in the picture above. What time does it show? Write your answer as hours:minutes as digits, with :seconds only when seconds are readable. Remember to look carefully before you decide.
10:03
